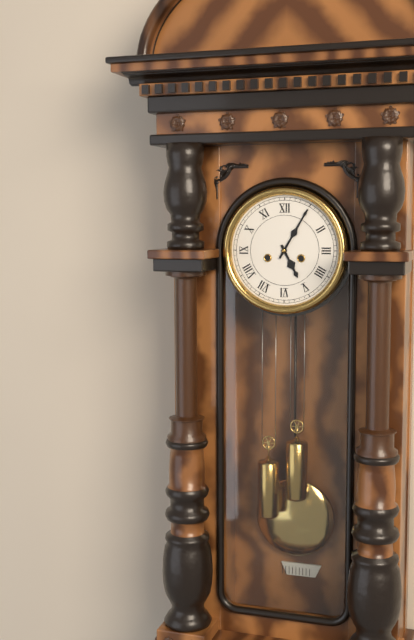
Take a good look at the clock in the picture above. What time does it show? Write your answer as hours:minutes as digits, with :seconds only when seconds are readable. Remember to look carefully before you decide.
5:05
